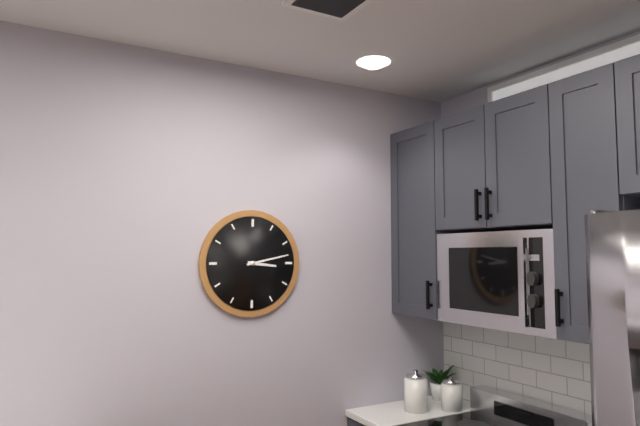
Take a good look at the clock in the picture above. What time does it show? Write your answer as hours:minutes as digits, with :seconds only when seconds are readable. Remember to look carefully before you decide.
3:13
